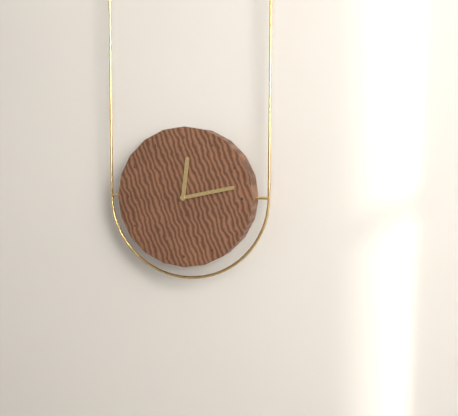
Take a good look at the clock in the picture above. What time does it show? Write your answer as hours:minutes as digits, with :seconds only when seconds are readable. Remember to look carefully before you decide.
12:13
